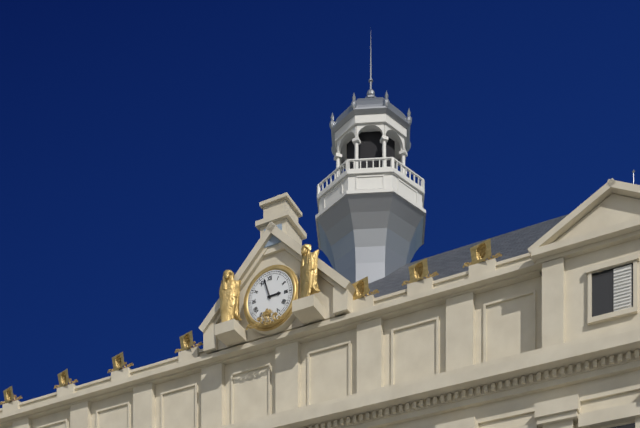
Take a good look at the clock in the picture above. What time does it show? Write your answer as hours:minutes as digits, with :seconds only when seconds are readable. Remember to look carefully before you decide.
2:57
